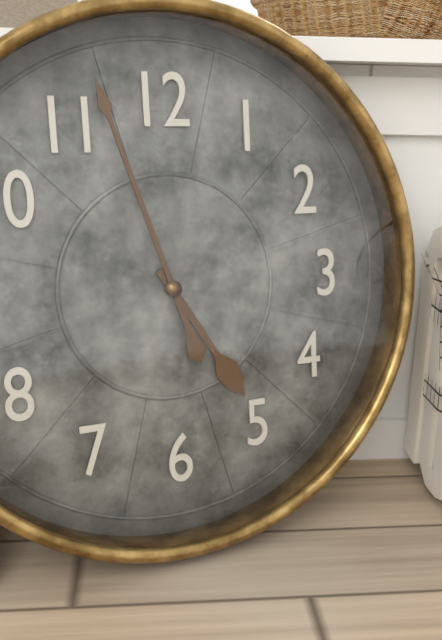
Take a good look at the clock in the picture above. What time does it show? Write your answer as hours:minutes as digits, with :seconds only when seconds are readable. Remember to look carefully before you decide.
4:57
